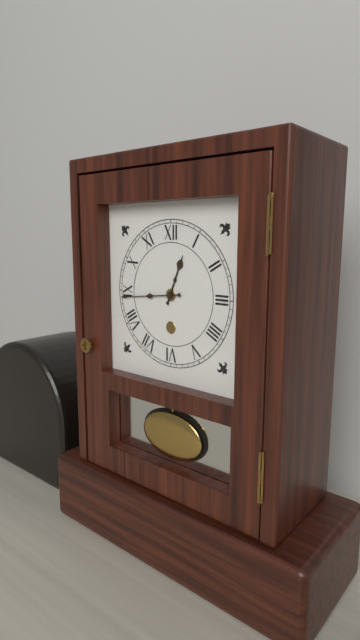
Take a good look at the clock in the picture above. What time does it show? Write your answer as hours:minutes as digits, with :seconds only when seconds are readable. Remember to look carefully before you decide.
12:44
